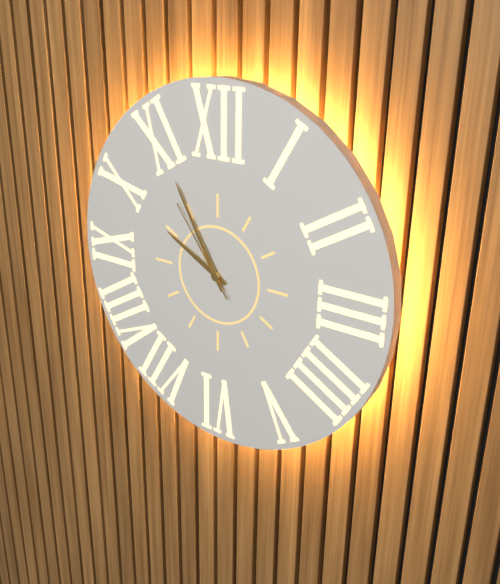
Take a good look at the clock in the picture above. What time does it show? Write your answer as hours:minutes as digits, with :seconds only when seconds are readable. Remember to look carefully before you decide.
9:55:54
